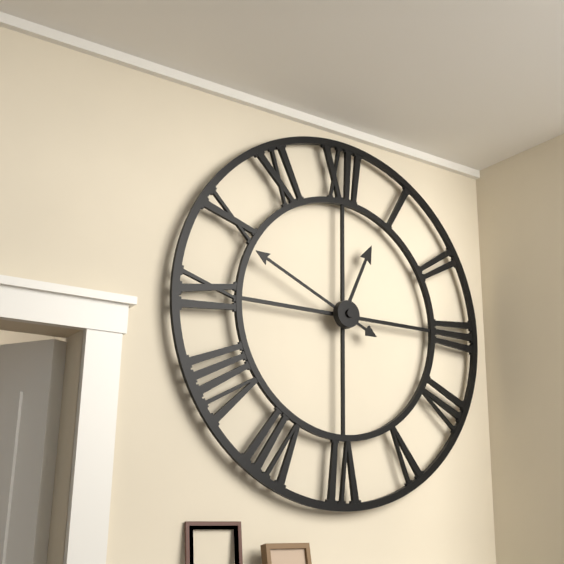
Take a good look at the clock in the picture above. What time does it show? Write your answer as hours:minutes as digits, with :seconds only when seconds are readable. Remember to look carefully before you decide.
12:49
